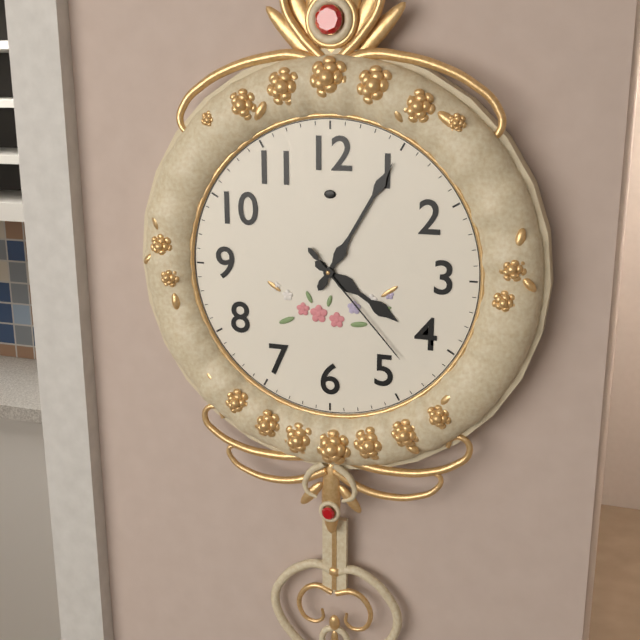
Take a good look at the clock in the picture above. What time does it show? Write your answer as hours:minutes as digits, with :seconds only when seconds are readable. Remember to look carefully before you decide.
4:05:23
